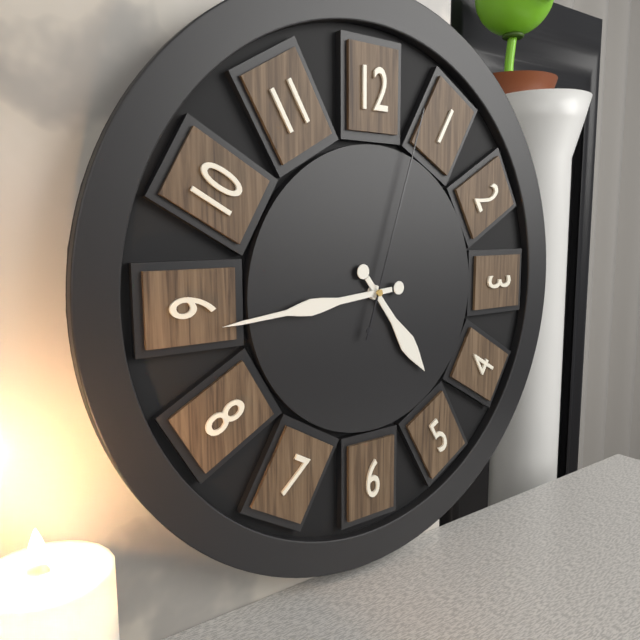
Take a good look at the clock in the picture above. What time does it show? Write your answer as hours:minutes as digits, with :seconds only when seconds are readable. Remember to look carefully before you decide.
4:44:03
